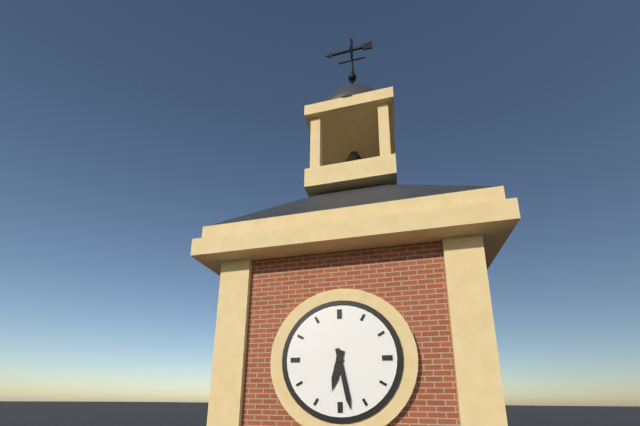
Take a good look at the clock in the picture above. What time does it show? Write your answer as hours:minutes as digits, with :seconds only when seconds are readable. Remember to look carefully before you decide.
6:28
